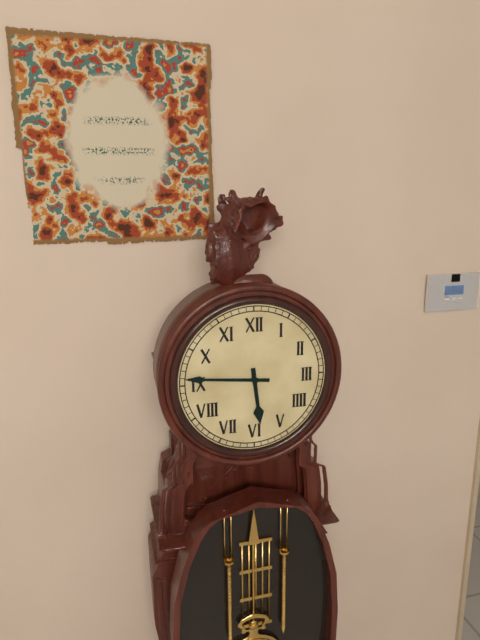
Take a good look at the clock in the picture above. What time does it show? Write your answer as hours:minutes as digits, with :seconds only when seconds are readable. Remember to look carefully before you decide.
5:46
